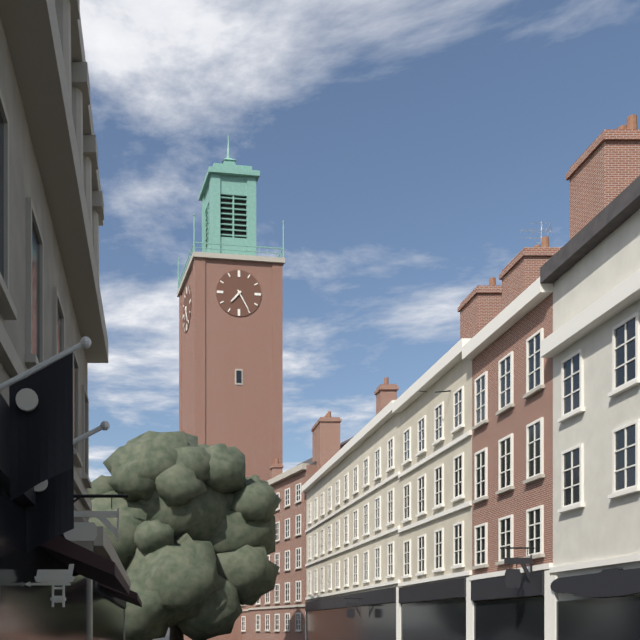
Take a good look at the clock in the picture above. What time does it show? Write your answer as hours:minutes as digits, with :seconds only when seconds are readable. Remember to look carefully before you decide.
7:25
